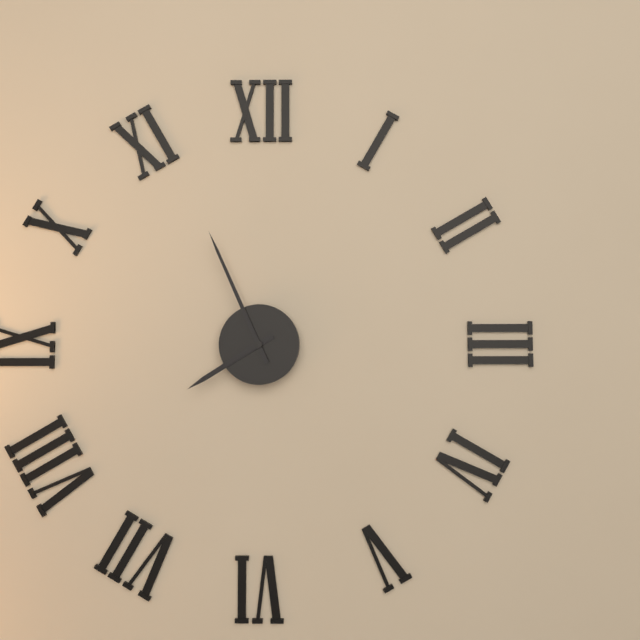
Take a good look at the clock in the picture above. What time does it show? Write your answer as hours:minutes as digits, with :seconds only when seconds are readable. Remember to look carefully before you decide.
7:56
